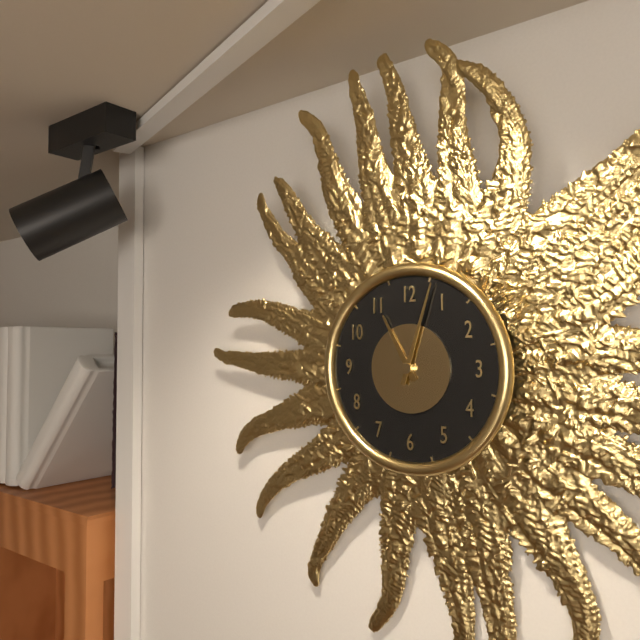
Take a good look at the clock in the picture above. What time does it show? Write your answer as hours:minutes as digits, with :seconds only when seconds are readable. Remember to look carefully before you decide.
11:03
